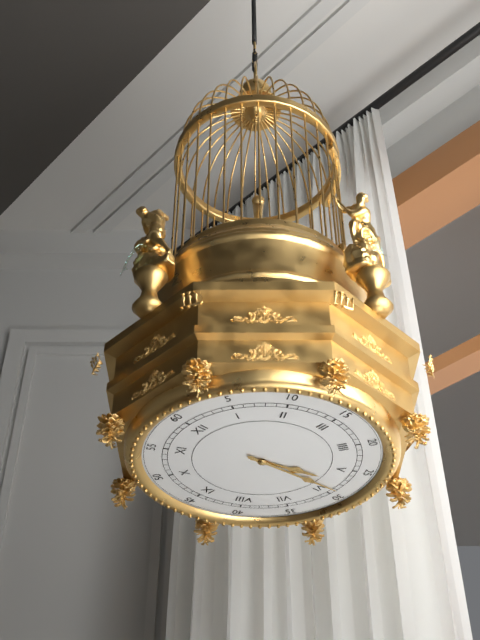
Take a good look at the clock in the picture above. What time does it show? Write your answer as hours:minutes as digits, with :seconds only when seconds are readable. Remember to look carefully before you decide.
5:29
